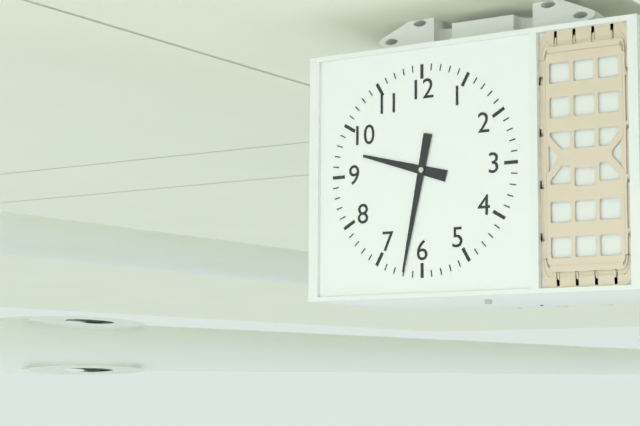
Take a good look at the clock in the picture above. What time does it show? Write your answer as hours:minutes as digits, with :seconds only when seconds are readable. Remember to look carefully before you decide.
9:32
